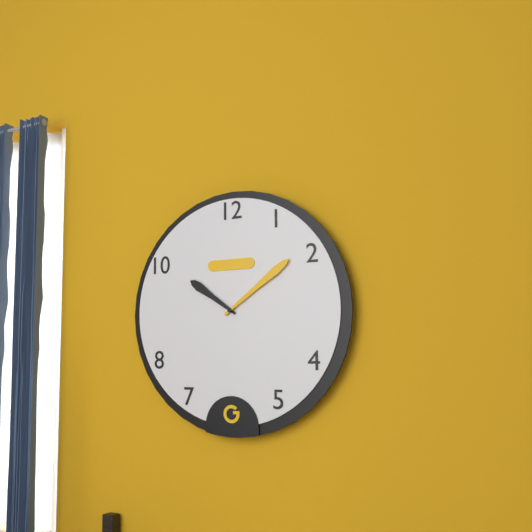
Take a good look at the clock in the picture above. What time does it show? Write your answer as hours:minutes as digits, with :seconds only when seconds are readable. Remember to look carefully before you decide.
10:09
